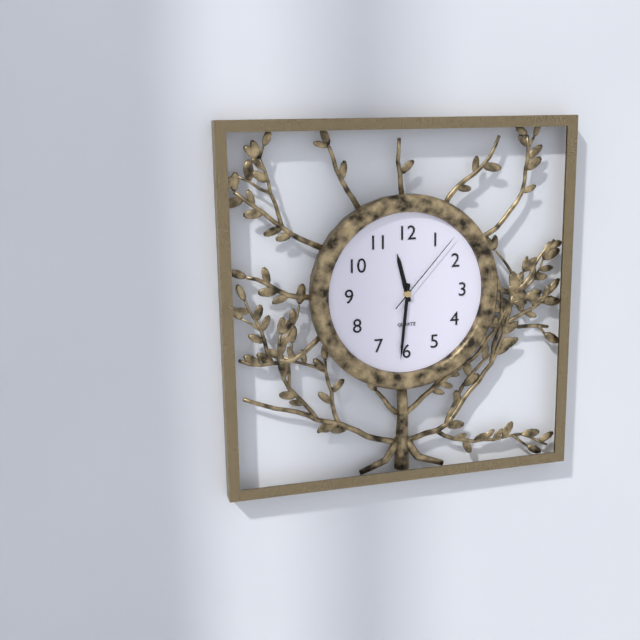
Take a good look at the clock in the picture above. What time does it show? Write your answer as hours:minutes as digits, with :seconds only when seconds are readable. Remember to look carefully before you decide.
11:31:07
